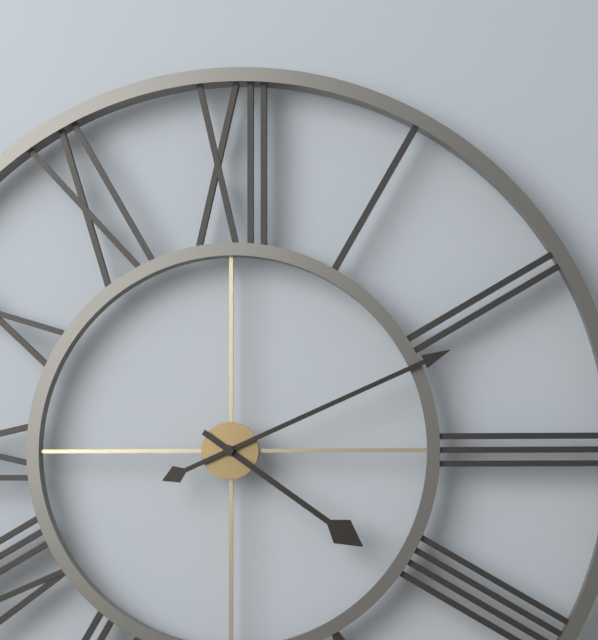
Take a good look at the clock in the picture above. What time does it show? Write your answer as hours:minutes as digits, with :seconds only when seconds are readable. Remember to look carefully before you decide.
4:11
